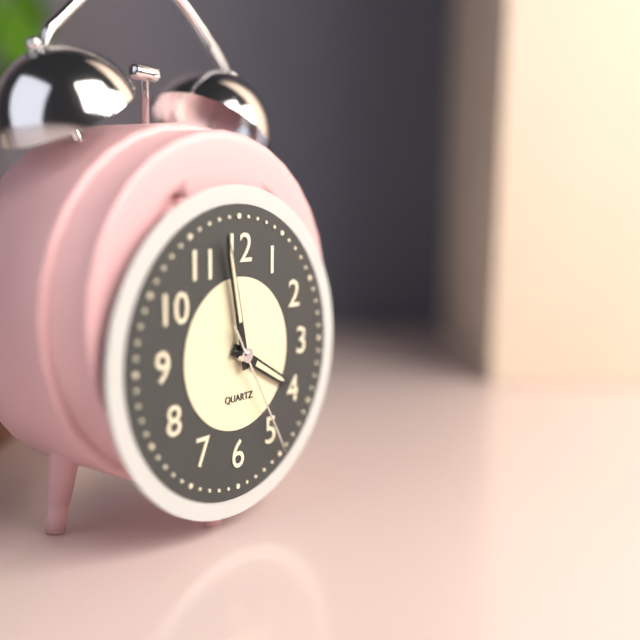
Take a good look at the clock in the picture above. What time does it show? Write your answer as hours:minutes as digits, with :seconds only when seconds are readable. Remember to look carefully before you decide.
3:58:25
